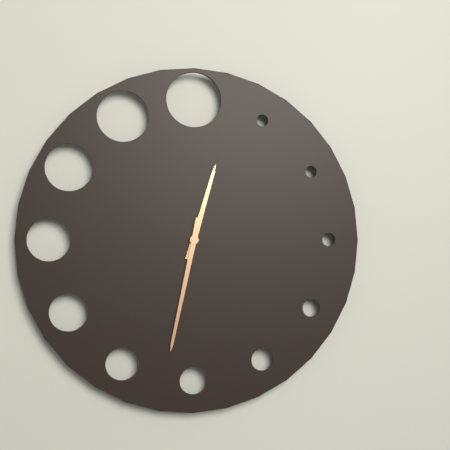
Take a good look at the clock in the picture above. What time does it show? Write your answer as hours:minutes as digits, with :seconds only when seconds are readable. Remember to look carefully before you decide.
12:32
